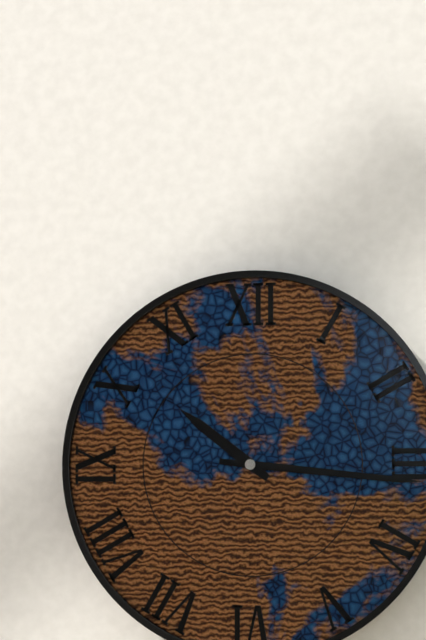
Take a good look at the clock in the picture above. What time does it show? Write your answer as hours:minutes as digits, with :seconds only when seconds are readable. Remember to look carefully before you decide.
10:16
